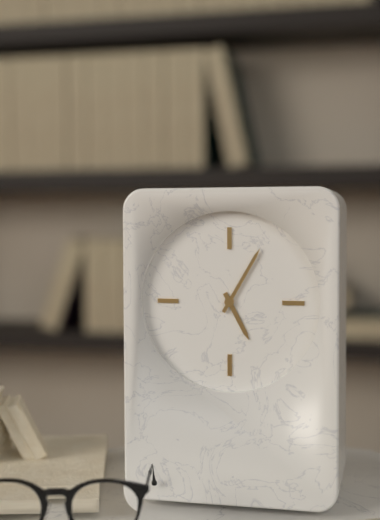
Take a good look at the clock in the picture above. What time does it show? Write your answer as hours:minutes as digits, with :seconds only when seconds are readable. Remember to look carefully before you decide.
5:05
